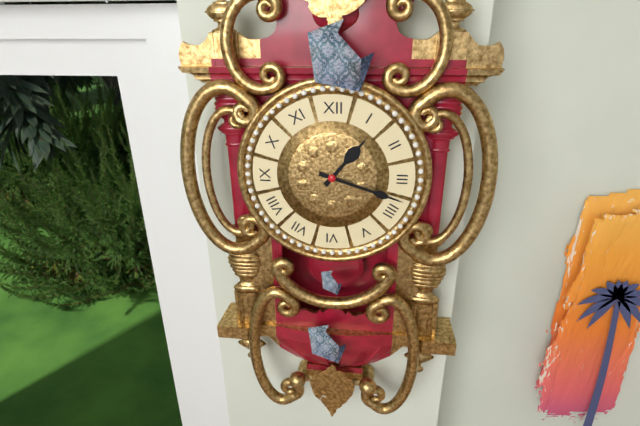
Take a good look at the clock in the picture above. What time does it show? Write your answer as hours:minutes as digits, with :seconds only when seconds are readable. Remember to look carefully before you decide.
1:18
